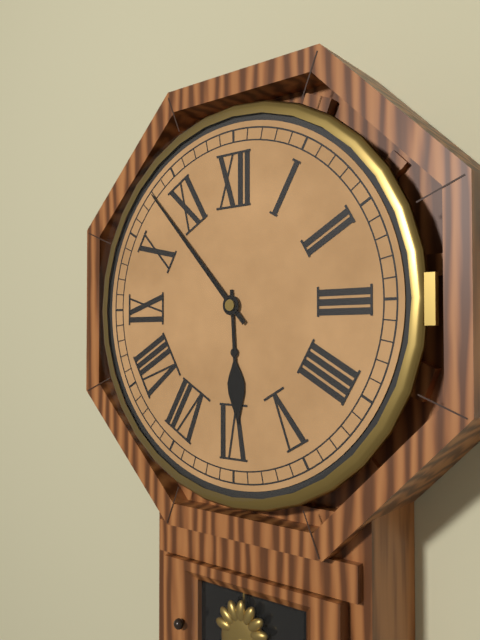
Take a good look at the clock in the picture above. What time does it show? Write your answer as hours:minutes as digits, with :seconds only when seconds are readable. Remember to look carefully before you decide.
5:53
